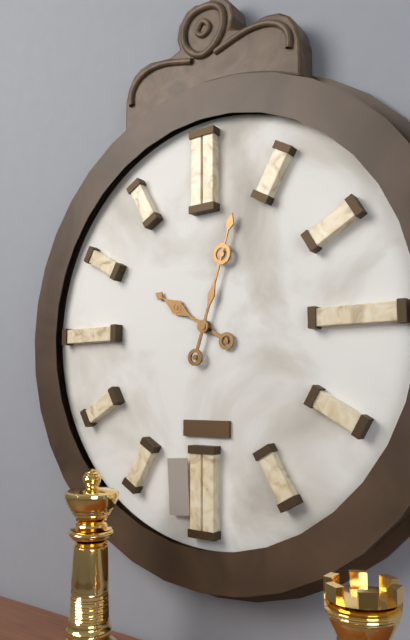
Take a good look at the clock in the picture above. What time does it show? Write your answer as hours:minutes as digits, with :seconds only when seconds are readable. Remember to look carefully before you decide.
10:03
